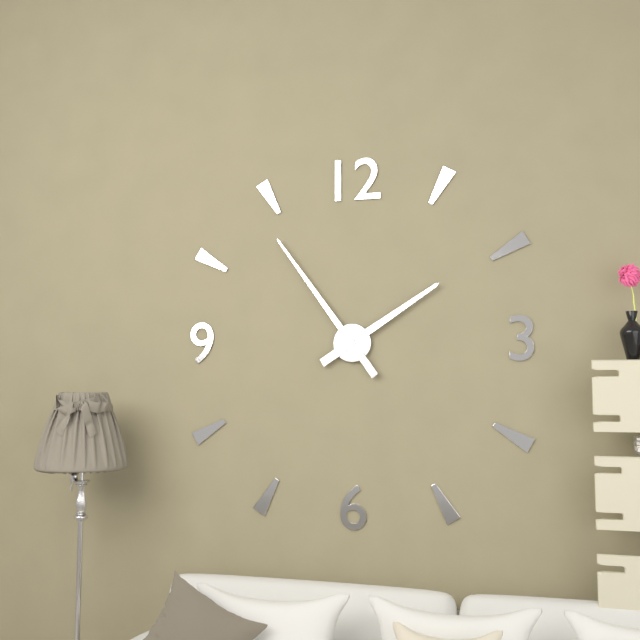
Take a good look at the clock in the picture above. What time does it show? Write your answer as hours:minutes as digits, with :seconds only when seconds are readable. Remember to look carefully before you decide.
1:54
